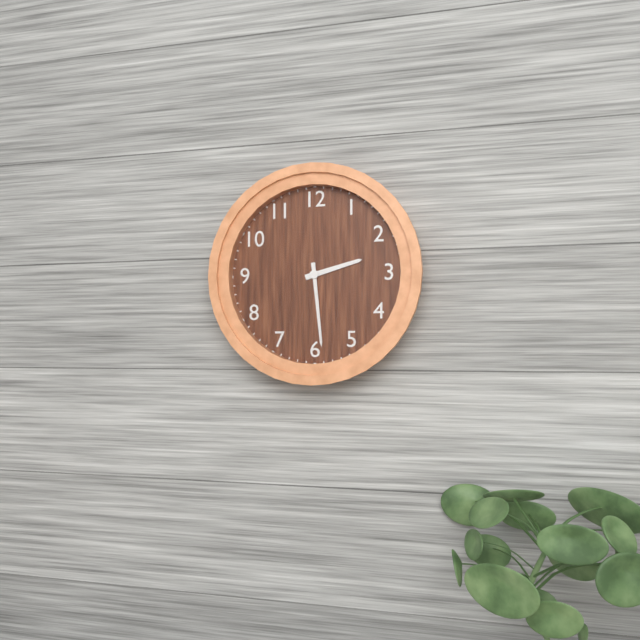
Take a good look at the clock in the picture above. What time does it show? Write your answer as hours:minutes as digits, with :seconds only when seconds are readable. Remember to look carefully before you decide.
2:29
